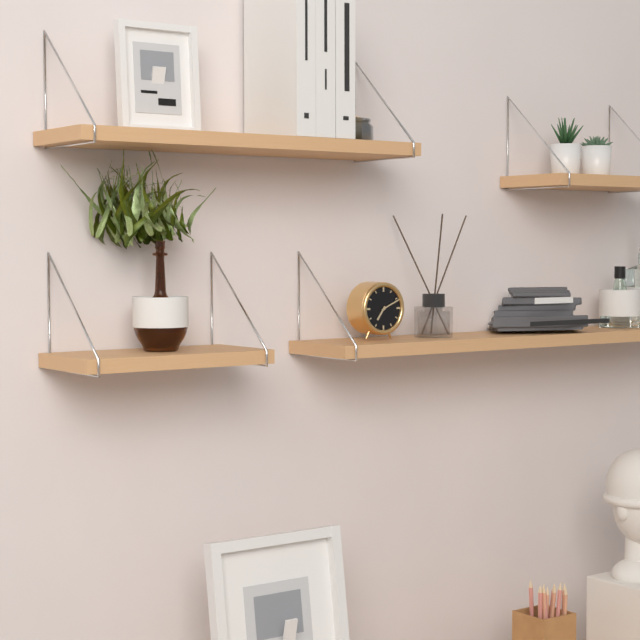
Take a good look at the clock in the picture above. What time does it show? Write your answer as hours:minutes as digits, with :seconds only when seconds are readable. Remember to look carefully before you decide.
7:11
